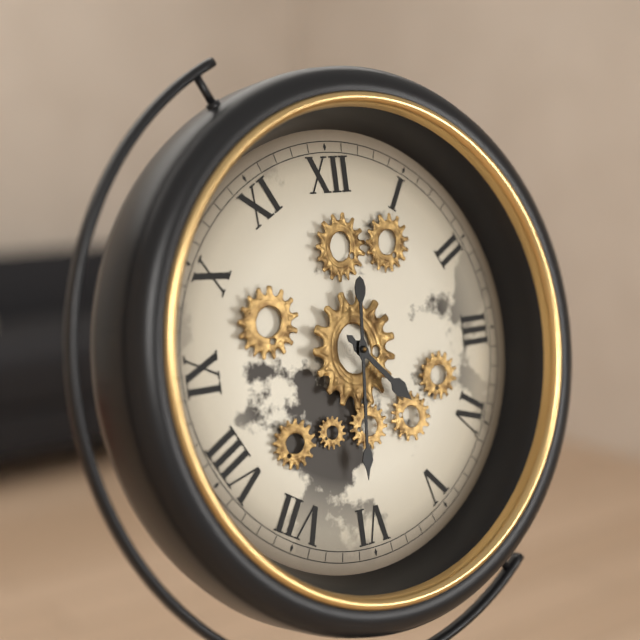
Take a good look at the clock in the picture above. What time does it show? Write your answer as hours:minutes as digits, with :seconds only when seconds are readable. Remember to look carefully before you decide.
4:31
